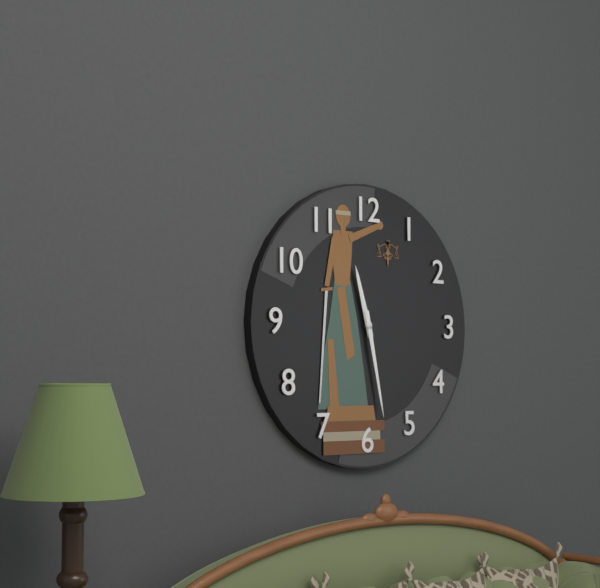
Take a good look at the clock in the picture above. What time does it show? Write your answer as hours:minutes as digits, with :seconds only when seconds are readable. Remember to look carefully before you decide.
11:28
